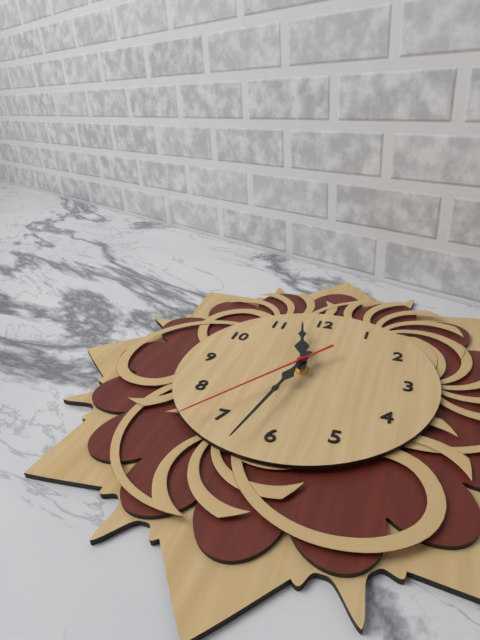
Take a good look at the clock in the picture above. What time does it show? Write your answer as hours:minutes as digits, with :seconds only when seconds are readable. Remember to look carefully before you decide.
11:32:36
